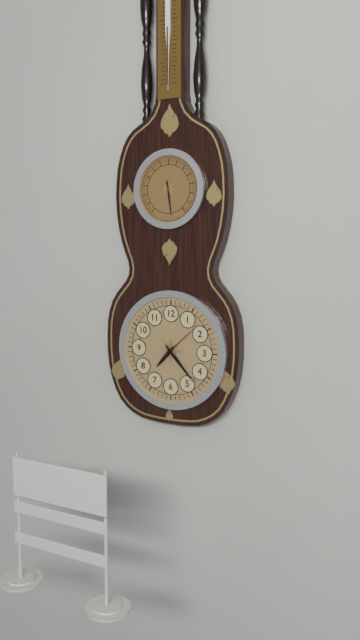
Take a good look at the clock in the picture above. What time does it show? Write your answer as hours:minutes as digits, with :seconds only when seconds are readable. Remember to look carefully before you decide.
7:23
